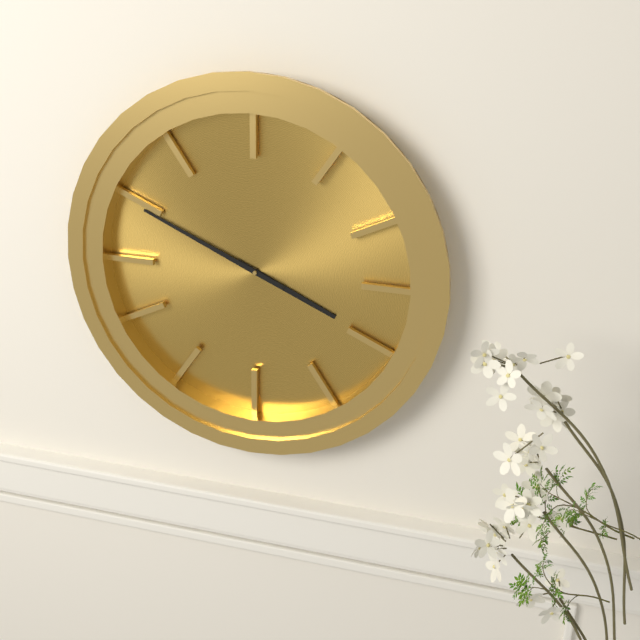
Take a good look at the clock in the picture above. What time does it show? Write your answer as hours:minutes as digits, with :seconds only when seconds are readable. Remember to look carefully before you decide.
3:49
